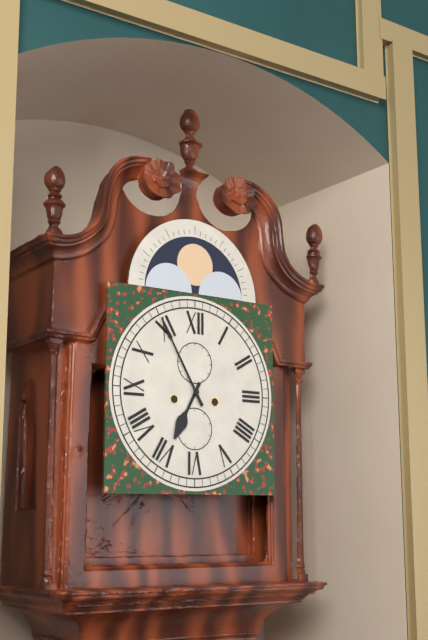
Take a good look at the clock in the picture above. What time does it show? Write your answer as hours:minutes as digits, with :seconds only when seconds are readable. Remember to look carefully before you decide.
6:55
